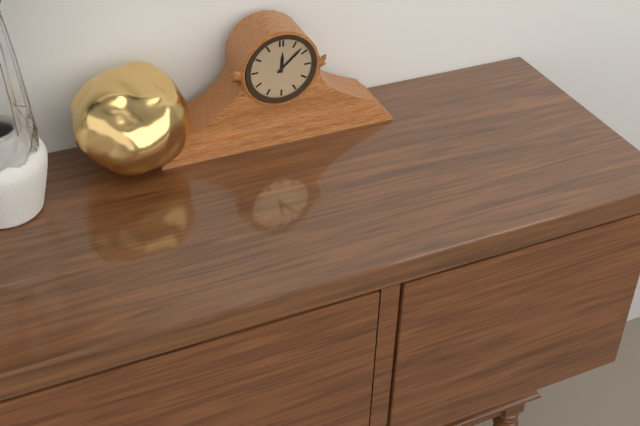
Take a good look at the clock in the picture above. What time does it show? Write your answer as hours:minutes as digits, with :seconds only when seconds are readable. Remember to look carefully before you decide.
12:08
